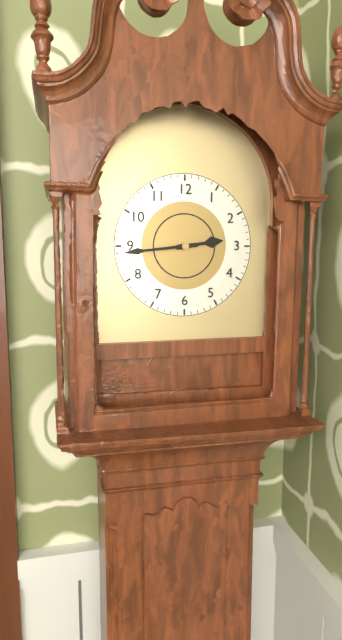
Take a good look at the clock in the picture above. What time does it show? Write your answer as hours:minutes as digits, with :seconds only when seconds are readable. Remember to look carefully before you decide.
2:44
